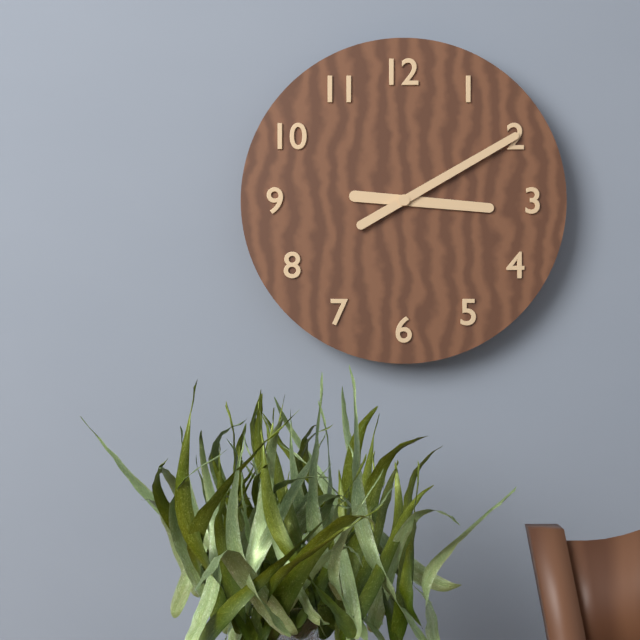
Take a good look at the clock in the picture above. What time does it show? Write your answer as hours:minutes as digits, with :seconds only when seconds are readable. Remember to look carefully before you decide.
3:10
